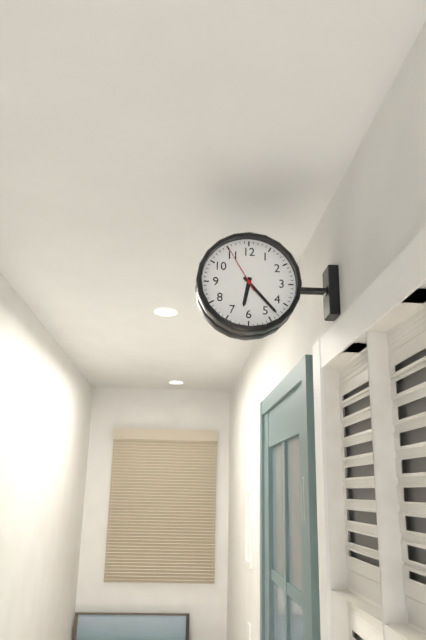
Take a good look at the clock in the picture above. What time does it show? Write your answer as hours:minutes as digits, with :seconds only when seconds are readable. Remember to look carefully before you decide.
6:23:55
